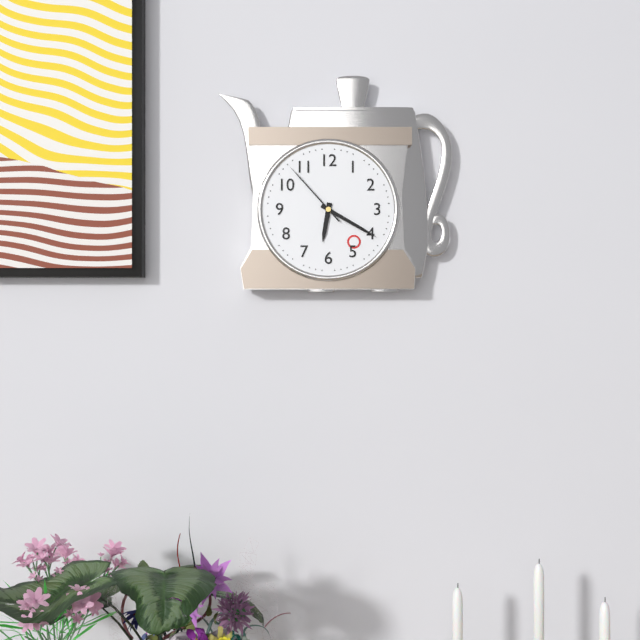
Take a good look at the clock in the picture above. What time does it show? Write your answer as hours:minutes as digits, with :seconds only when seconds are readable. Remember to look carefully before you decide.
6:20:53
